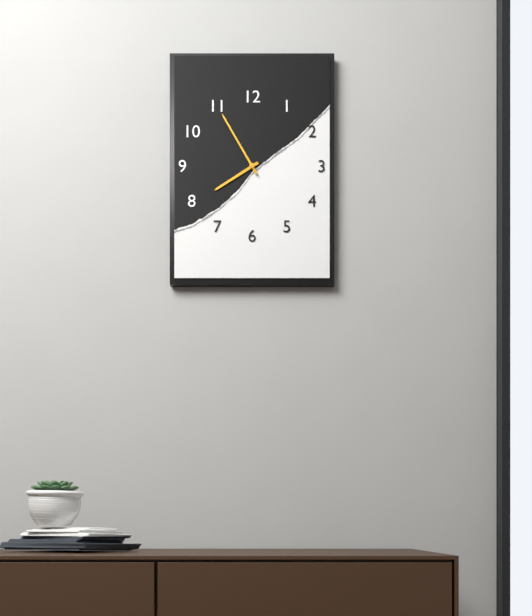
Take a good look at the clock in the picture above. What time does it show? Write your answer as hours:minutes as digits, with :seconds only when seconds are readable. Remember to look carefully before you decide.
7:55
